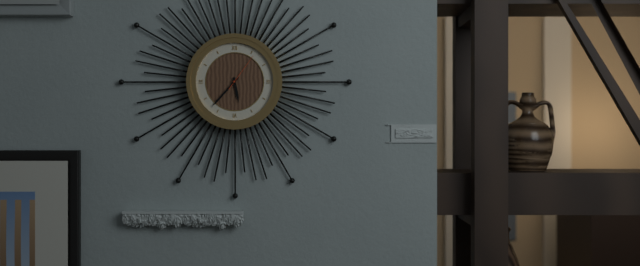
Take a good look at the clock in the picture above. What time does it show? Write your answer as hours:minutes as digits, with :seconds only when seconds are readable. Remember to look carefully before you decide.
5:37
